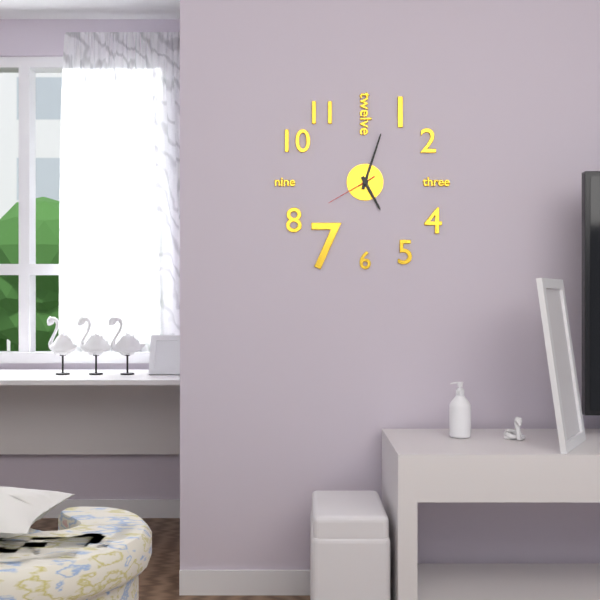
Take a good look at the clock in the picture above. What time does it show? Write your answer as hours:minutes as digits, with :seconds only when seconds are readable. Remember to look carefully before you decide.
5:03:40
